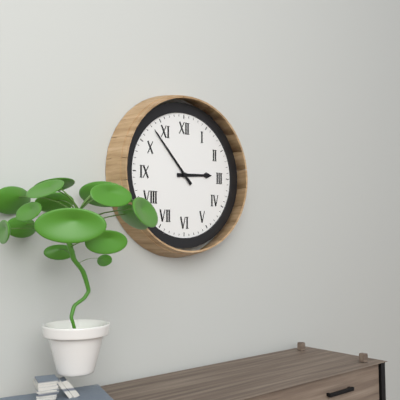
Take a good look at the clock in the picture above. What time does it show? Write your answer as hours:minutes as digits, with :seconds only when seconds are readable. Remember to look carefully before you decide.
2:53
